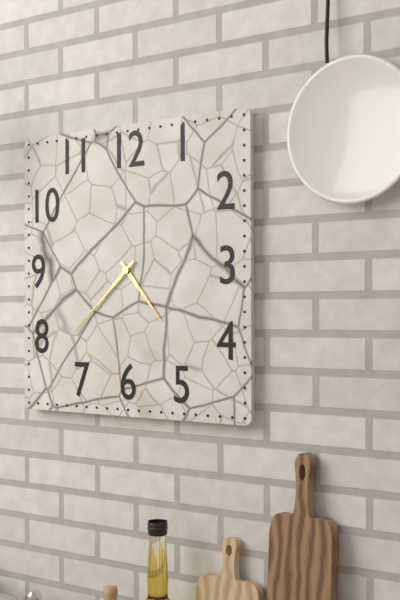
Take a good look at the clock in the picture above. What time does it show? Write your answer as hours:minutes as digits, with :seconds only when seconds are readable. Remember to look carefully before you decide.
4:38
